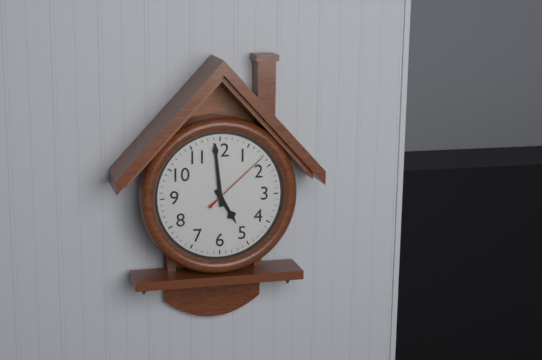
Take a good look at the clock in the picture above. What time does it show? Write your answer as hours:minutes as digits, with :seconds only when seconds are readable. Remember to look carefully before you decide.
4:59:08
